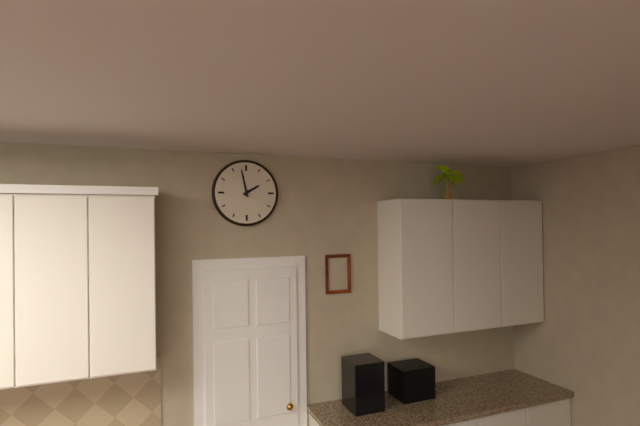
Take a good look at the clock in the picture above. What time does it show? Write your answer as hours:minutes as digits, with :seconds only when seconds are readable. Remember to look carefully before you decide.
1:58
